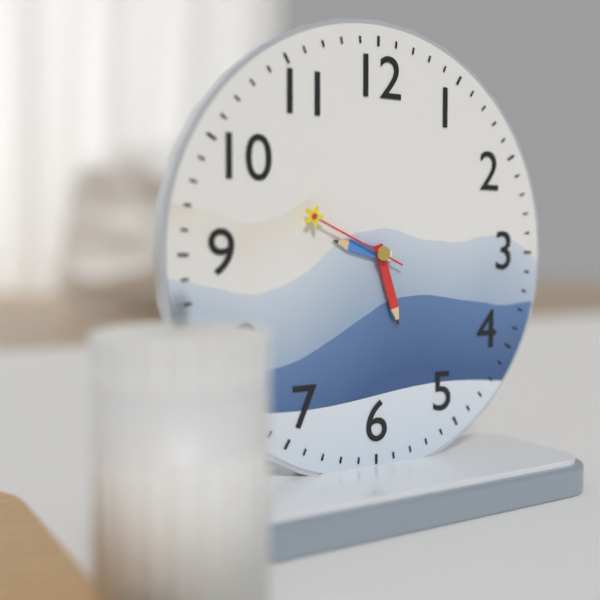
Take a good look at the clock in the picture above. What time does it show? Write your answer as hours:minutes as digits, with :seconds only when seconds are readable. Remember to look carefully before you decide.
9:27:49
